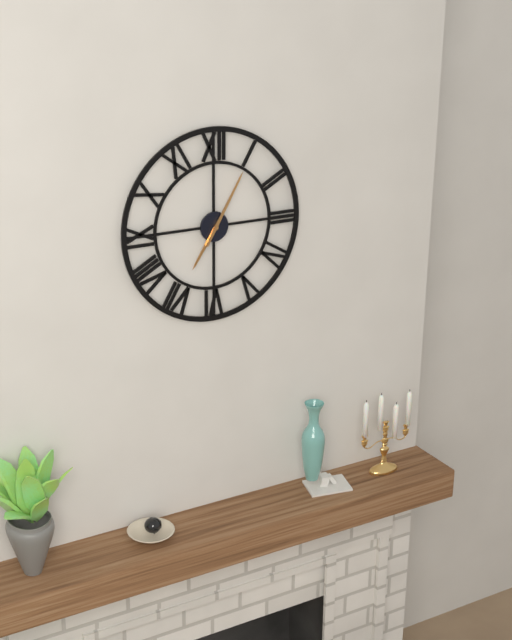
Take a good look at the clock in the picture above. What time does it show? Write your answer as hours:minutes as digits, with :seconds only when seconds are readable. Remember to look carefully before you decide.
7:05
